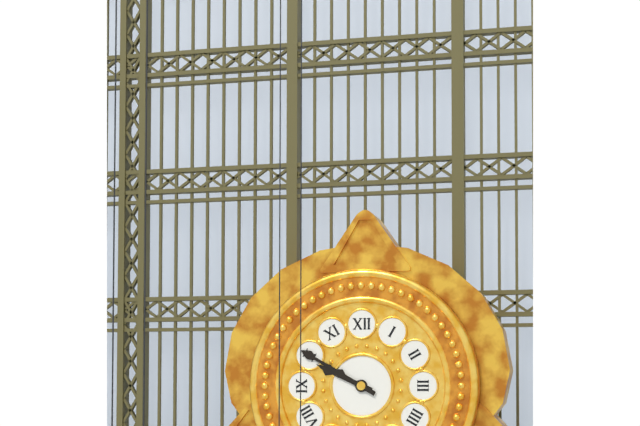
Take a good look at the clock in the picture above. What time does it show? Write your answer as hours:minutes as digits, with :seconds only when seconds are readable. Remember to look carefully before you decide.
9:50
